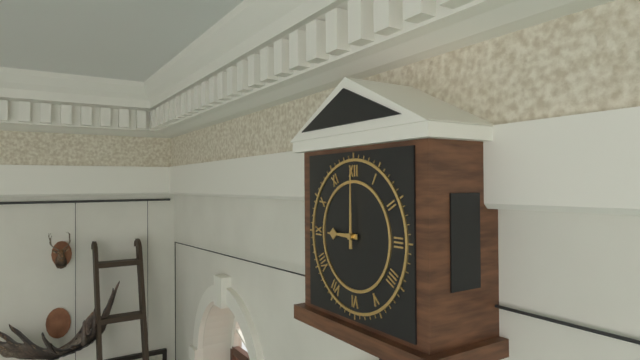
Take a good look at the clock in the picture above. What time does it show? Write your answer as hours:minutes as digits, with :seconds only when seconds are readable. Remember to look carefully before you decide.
9:00
